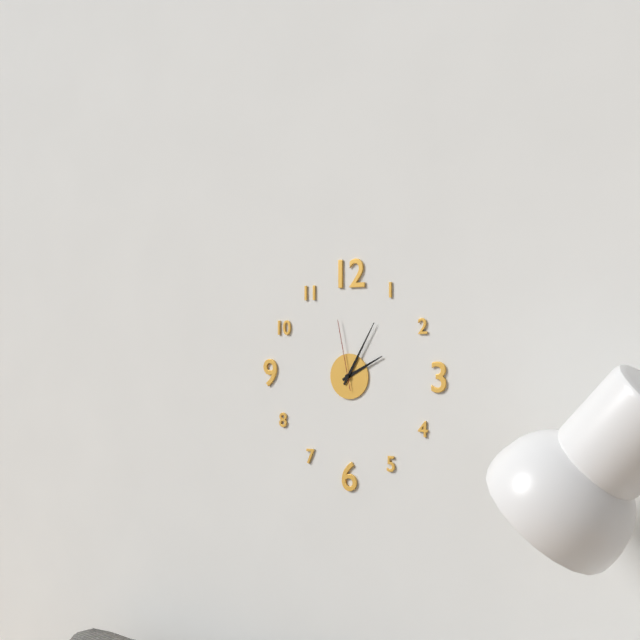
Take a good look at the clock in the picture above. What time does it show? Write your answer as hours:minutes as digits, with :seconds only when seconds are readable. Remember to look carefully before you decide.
2:05:58
